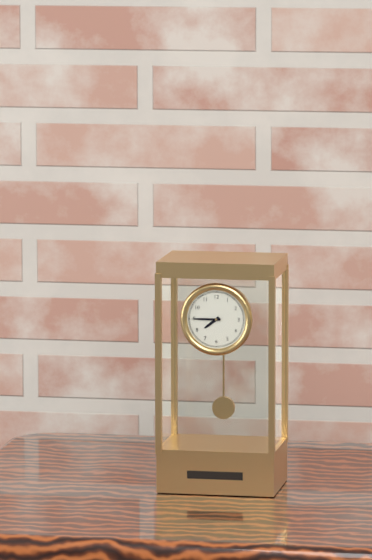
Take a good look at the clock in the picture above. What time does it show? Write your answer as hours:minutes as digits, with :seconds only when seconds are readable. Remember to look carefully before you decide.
7:45
